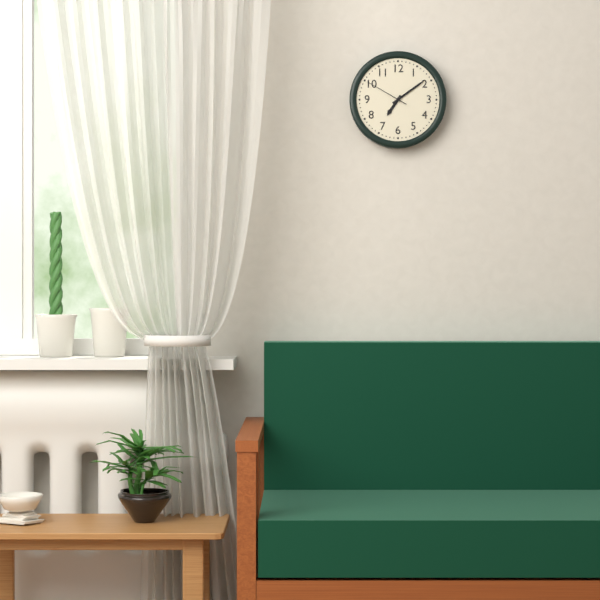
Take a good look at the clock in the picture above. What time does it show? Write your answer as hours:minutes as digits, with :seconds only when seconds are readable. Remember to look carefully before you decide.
7:09
